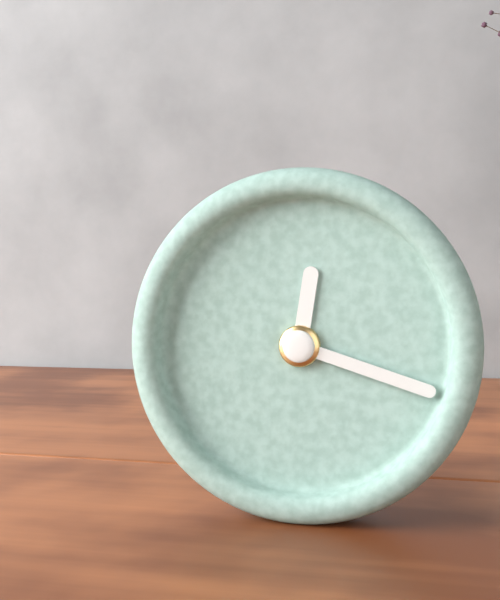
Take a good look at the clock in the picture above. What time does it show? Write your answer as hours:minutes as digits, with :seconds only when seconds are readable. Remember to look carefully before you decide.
12:18
